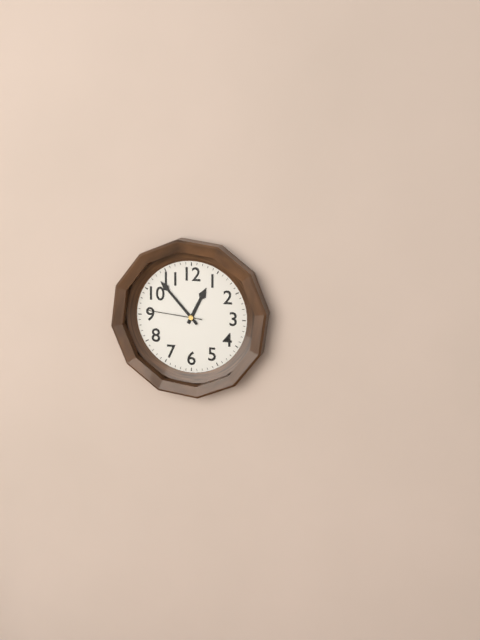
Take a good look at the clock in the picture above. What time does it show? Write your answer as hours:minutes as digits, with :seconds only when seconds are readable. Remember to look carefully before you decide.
12:53:46
